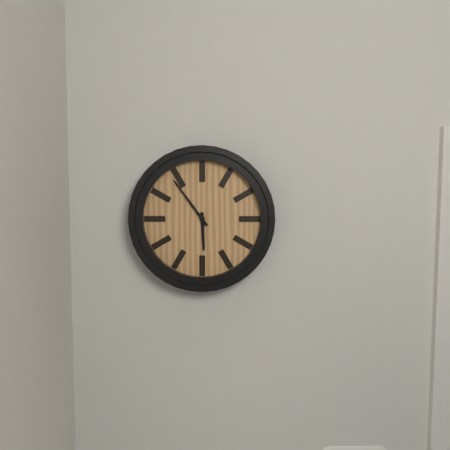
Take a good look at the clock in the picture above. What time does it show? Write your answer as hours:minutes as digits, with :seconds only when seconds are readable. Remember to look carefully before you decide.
5:54
